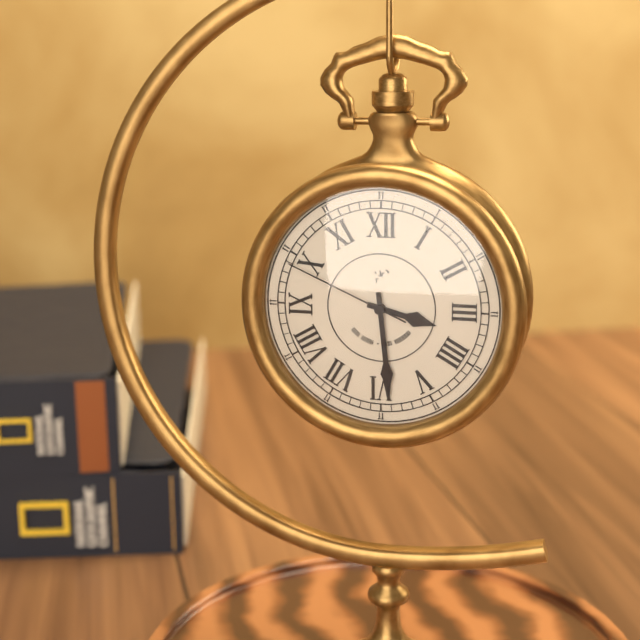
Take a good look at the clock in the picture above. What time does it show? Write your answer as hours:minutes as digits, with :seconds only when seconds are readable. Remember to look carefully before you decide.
3:29:49
